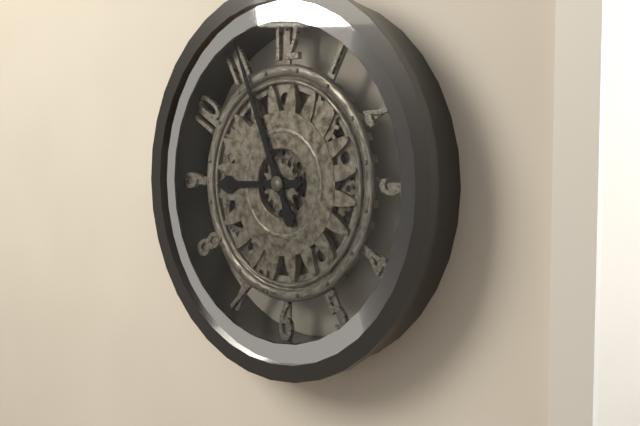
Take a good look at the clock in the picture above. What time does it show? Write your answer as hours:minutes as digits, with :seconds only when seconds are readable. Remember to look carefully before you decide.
8:56
